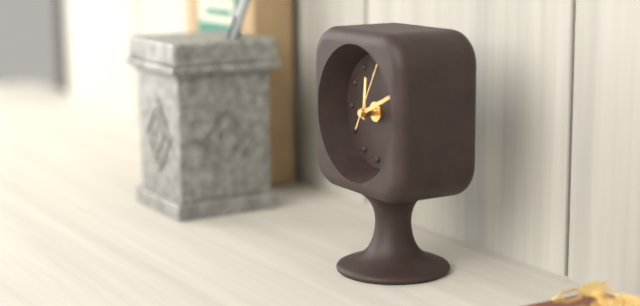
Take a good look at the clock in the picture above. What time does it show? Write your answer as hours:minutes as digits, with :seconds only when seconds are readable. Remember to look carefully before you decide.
12:11:05
